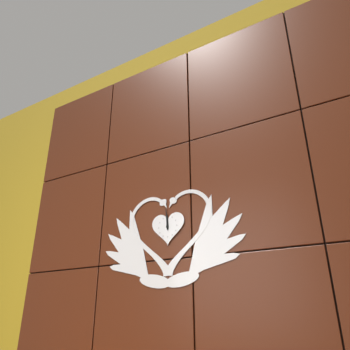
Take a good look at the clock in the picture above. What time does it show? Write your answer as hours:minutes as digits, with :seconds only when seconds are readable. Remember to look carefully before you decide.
11:59
